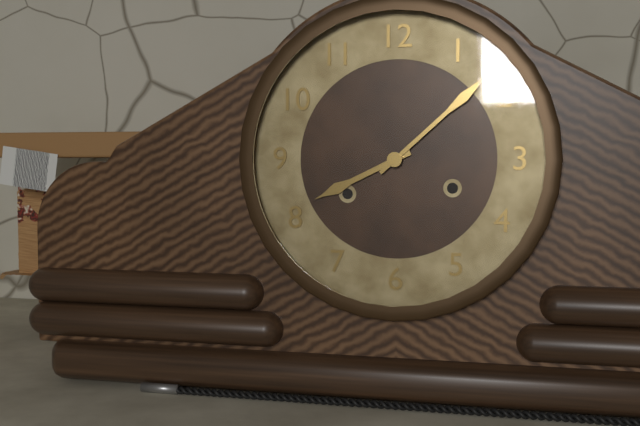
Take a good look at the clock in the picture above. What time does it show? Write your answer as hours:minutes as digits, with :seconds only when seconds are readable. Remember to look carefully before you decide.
8:08
